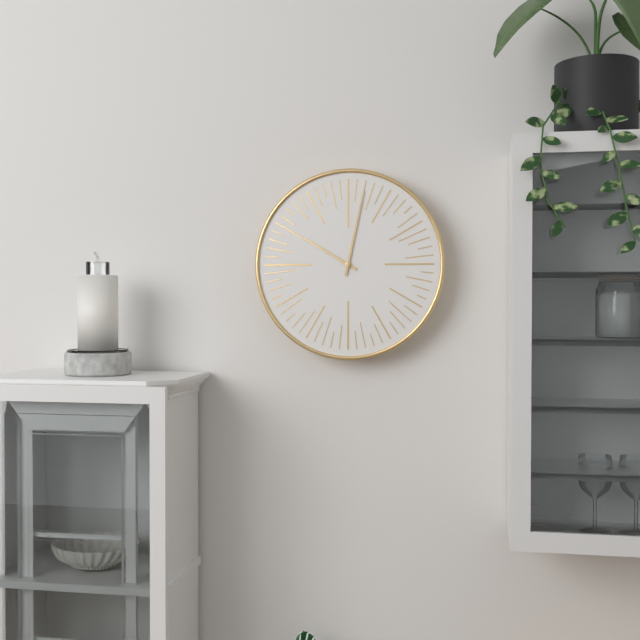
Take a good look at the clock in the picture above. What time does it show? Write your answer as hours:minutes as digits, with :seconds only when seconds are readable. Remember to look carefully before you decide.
10:02
